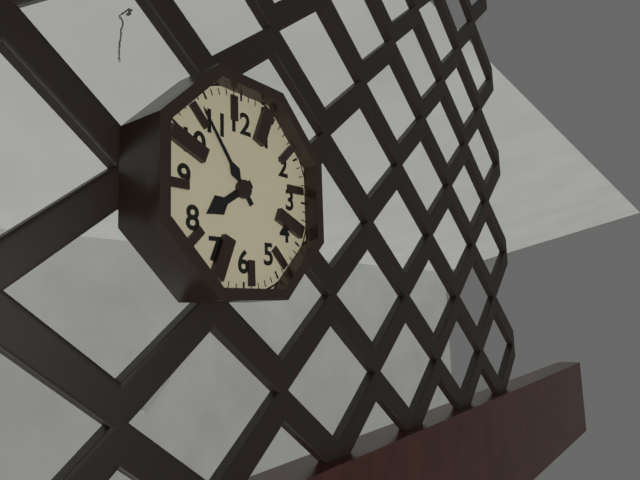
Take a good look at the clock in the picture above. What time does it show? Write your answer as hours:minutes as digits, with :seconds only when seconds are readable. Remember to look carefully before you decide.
7:54
